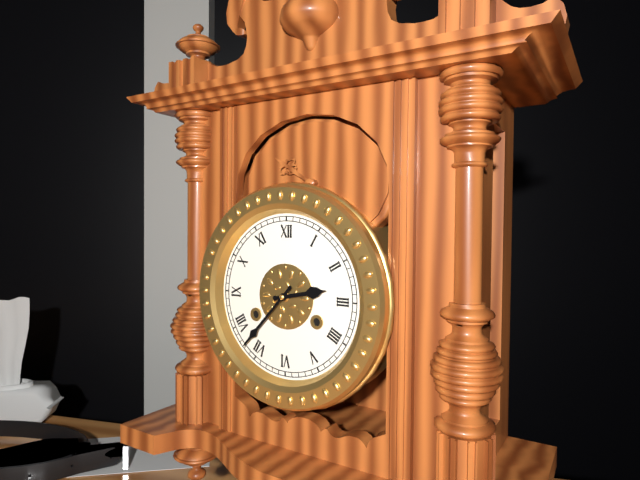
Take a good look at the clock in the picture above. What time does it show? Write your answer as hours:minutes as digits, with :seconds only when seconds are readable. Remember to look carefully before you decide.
2:37
